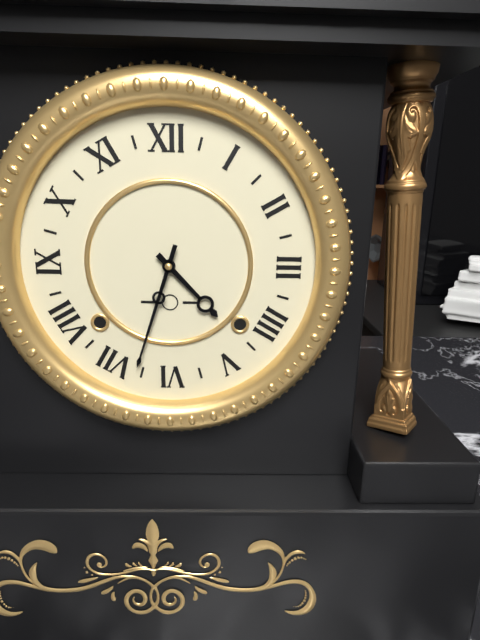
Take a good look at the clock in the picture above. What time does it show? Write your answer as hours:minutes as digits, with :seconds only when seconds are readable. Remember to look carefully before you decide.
4:33
